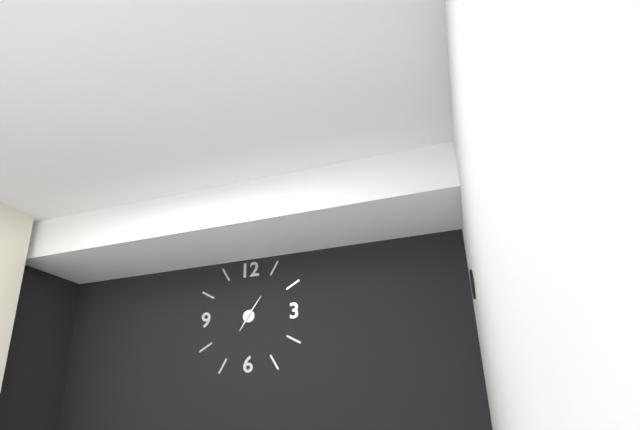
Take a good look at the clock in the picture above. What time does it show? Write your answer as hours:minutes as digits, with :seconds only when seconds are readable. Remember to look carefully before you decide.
7:06
